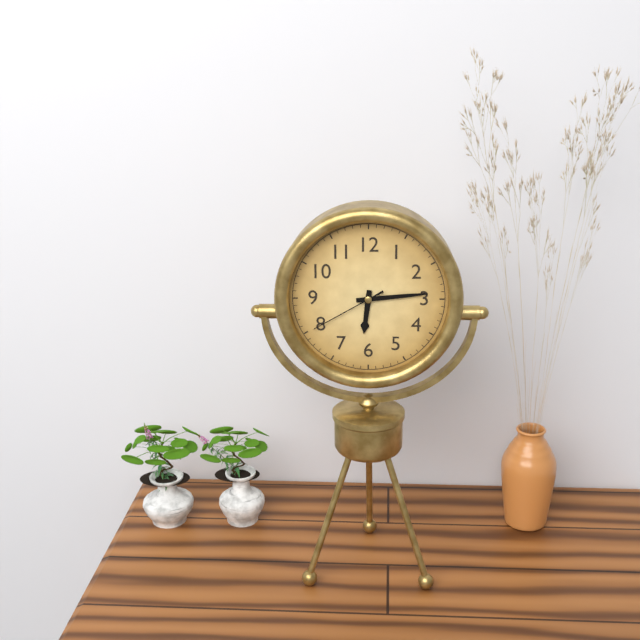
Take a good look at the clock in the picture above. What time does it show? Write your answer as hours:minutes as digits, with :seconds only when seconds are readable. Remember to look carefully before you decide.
6:14:40
